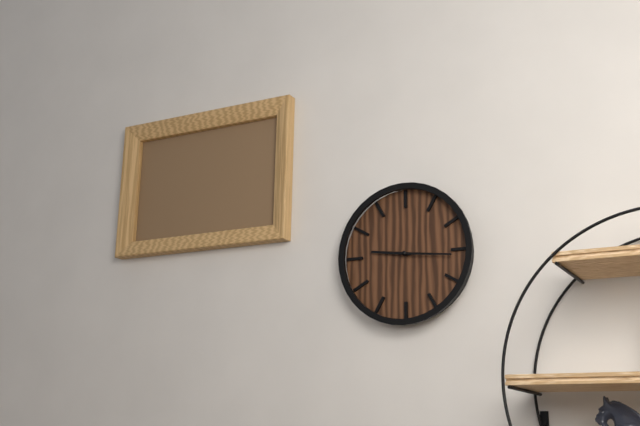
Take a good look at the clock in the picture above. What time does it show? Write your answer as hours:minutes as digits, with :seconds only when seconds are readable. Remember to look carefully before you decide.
9:16
